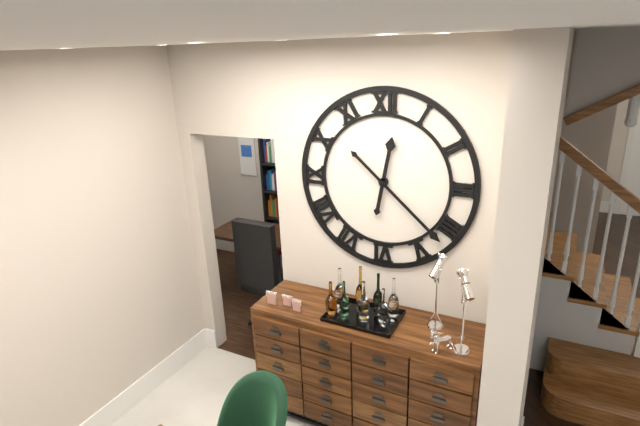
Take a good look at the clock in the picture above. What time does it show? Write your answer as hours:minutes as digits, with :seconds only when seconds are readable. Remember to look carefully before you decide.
12:22
